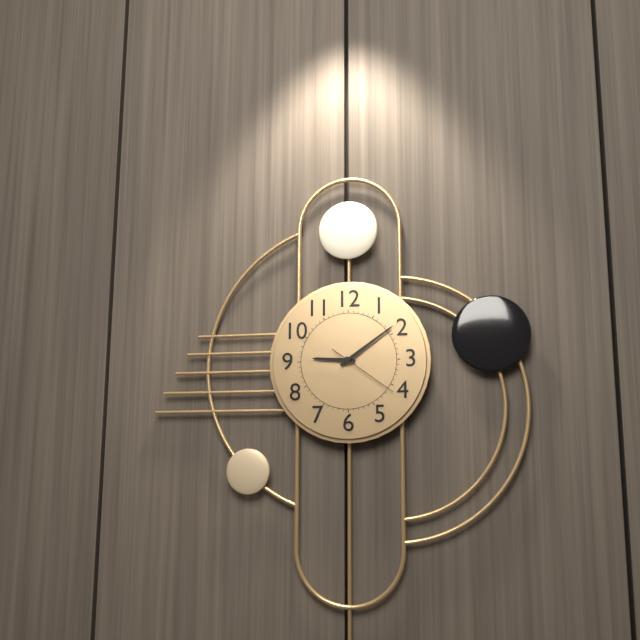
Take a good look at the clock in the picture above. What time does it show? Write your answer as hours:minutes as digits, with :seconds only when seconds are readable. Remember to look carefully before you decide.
9:09:21
